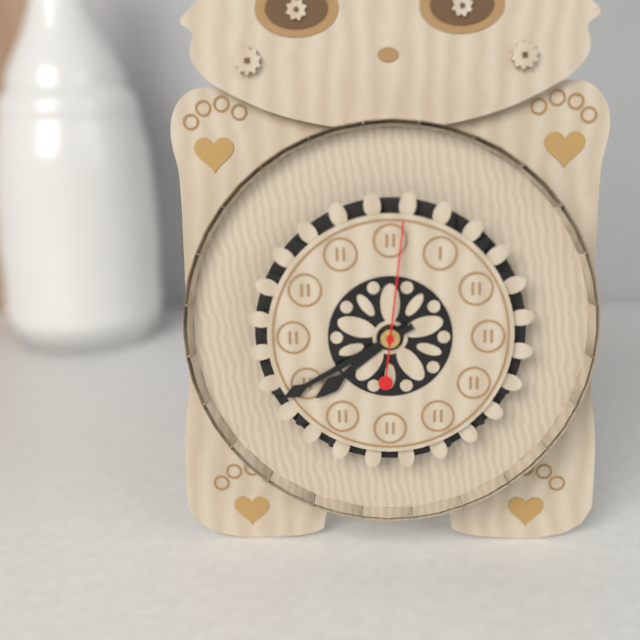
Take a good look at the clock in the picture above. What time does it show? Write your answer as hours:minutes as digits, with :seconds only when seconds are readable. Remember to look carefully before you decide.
7:40:01
